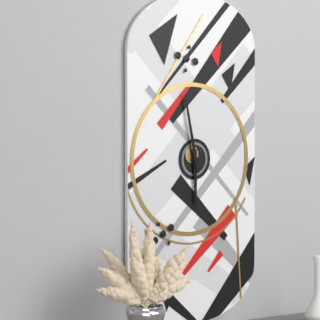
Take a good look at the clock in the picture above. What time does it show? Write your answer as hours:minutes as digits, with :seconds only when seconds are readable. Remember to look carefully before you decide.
5:58
